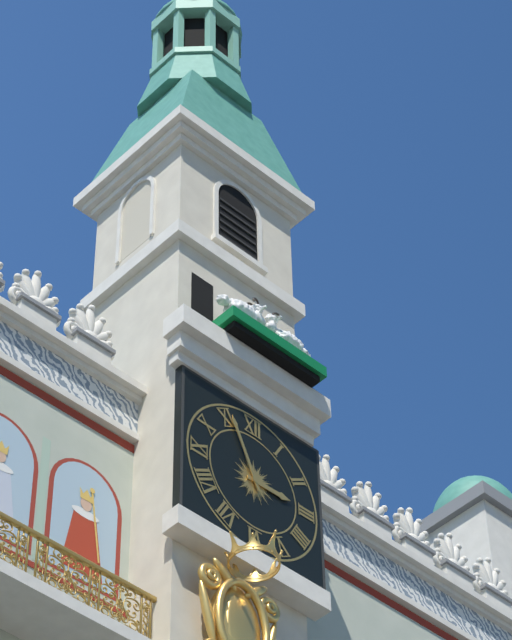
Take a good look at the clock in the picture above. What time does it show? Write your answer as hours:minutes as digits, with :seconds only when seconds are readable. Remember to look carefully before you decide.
2:56
